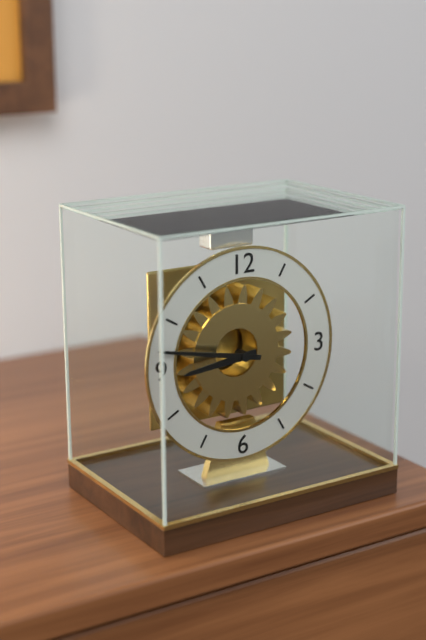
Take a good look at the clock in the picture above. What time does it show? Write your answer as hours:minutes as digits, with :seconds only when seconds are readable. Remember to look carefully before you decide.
8:47
